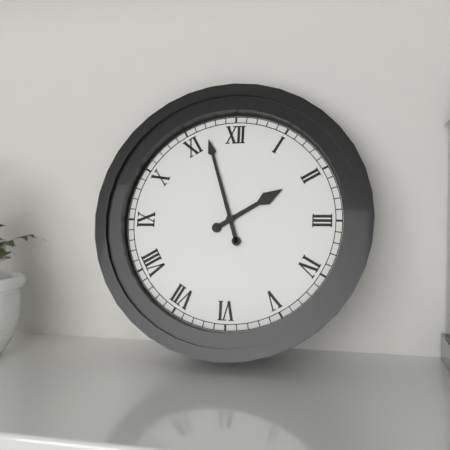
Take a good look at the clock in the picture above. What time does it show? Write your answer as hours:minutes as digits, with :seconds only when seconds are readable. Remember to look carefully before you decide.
1:57
